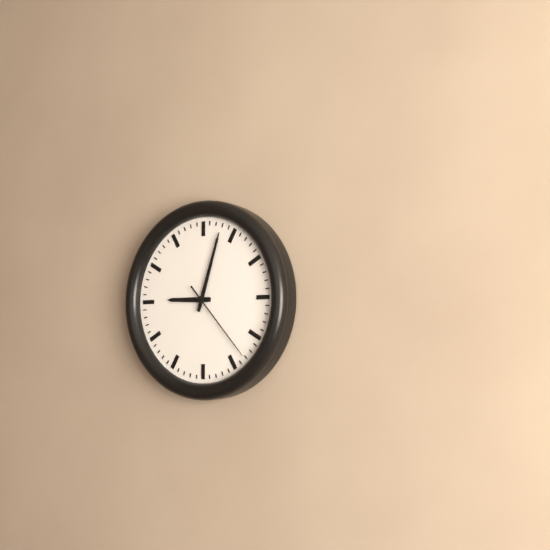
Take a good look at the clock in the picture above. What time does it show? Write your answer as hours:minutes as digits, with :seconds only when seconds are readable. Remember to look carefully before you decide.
9:03:23
